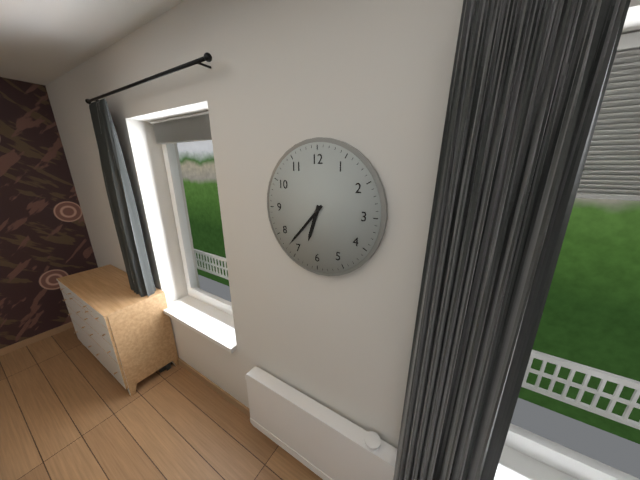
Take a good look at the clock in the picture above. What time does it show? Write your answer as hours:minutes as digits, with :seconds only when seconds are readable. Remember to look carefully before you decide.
6:37
